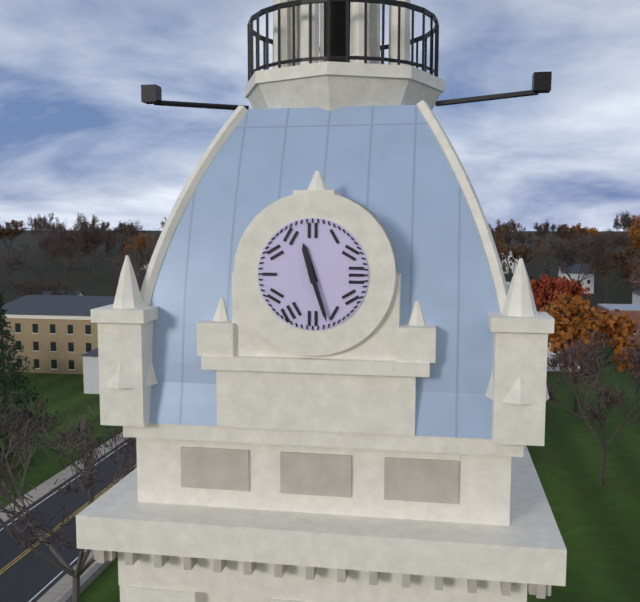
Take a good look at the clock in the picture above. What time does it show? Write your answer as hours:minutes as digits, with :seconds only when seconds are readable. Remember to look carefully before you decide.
11:27
